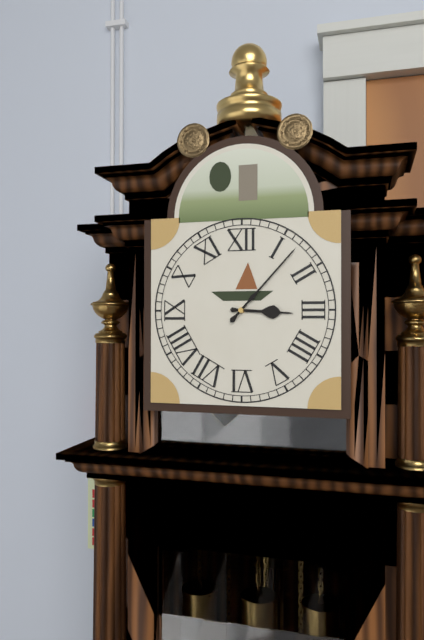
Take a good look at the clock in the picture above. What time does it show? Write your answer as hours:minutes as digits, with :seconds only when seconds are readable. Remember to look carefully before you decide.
3:07
